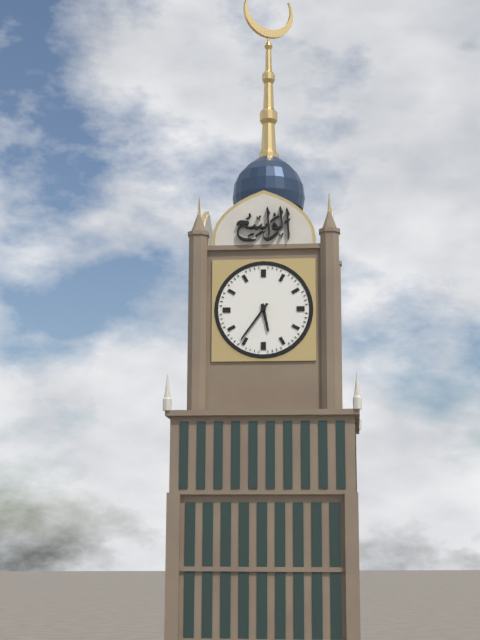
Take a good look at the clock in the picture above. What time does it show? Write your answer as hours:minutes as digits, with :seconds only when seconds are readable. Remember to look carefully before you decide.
5:36
